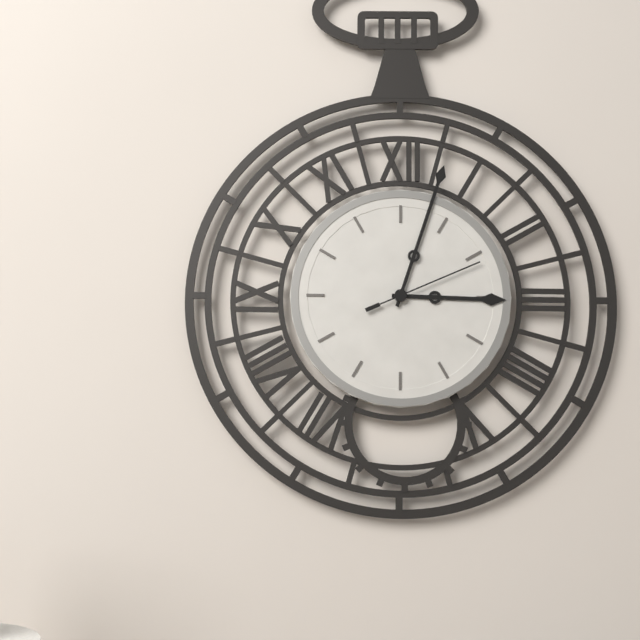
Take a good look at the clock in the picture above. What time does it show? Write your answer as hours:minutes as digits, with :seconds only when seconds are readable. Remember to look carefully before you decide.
3:03:11
